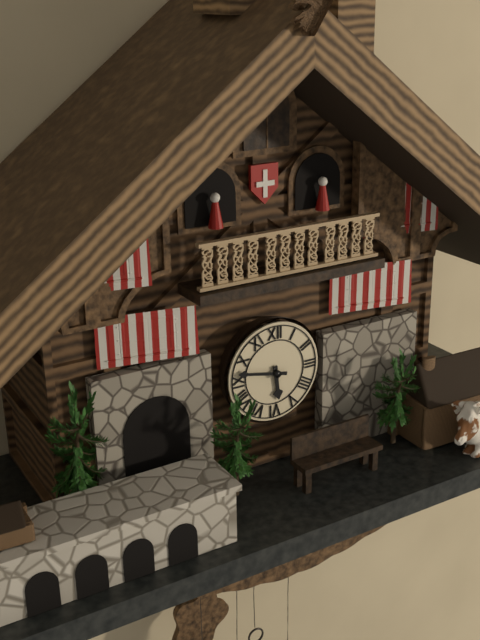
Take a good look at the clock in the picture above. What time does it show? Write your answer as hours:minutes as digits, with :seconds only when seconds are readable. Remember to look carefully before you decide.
5:47
